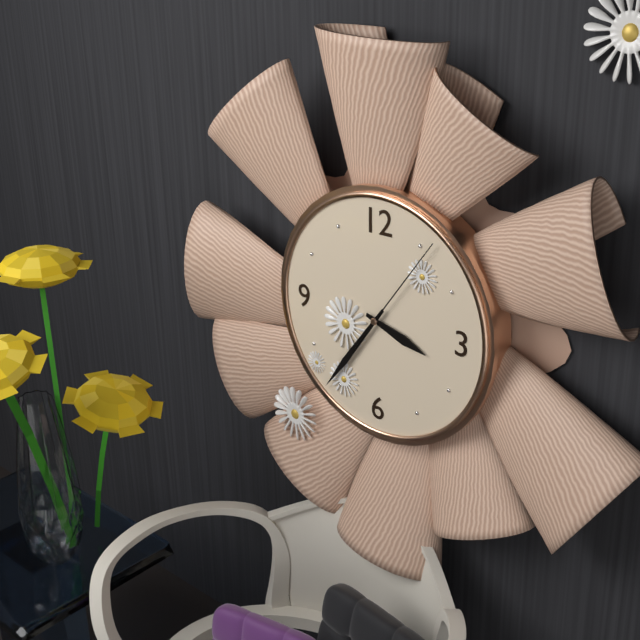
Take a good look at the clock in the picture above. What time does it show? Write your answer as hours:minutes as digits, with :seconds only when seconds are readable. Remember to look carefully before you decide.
3:36:06
